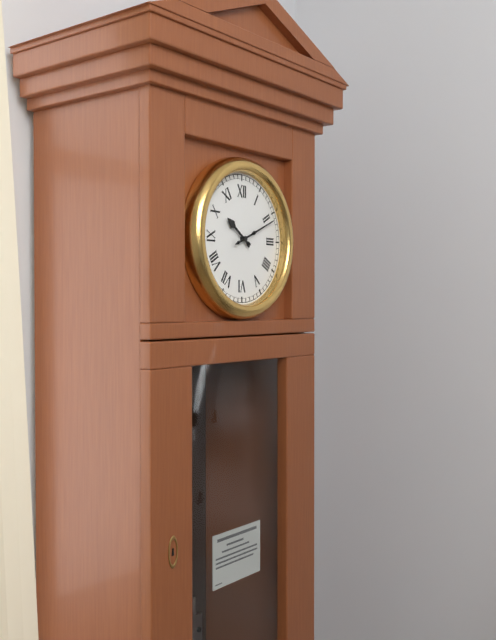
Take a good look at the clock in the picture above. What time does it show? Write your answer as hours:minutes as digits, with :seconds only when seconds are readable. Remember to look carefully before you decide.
10:11
